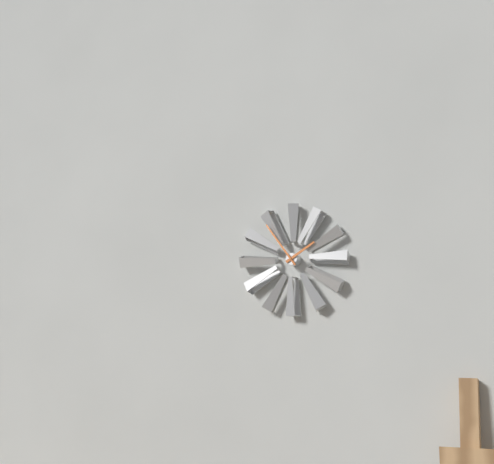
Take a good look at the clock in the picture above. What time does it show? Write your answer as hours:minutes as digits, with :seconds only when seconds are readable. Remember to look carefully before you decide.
1:54
